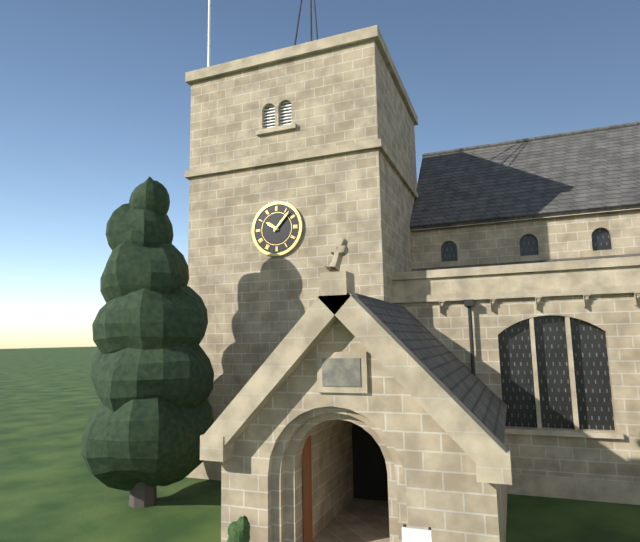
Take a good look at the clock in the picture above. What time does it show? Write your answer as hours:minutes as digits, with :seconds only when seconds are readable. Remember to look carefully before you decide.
10:07
